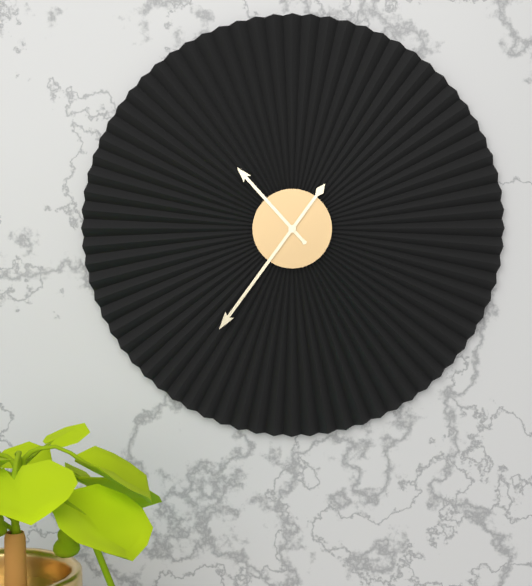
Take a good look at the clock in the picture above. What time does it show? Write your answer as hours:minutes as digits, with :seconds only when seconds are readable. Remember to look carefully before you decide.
10:36
